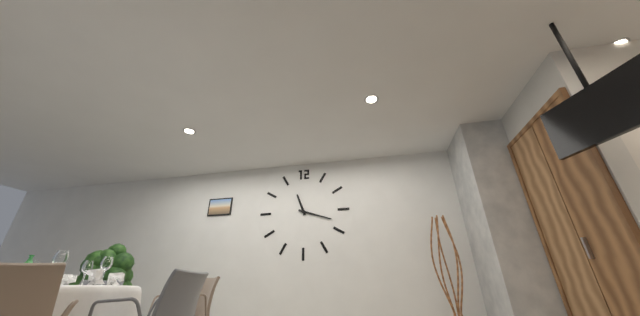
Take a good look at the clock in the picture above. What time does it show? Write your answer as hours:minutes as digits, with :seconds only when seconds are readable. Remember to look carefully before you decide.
11:18
